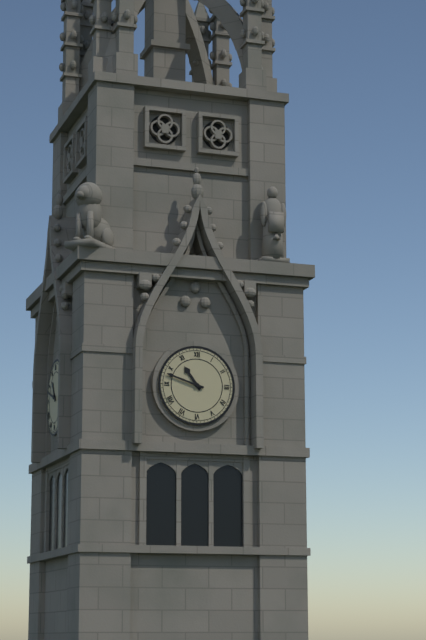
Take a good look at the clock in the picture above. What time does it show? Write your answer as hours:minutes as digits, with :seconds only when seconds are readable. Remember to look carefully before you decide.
10:48
